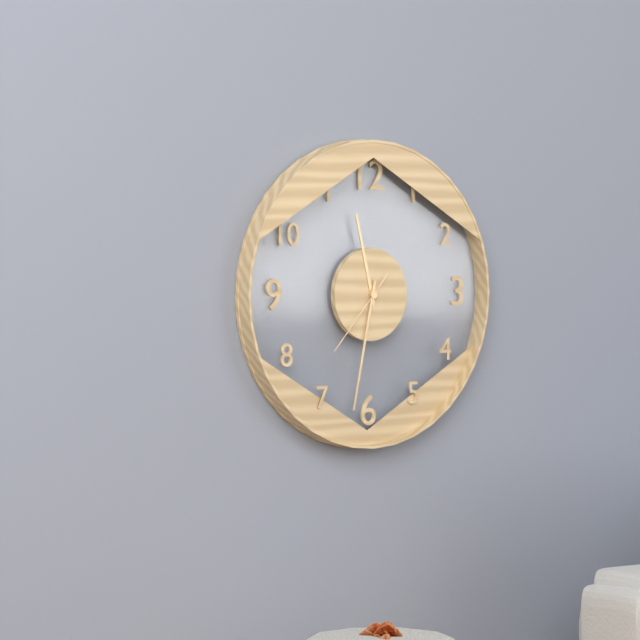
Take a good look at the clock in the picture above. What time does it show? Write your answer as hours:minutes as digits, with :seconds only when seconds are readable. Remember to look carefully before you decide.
11:32:37
